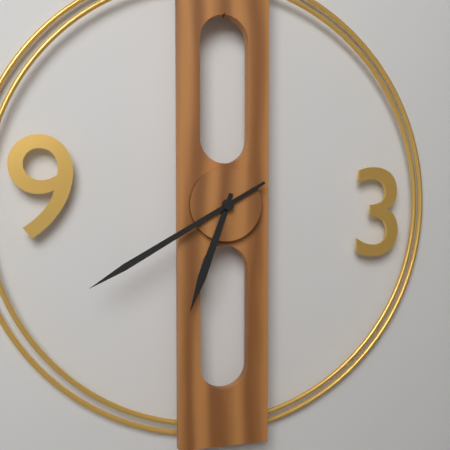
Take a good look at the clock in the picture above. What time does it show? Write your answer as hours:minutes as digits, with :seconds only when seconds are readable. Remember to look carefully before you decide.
6:40
